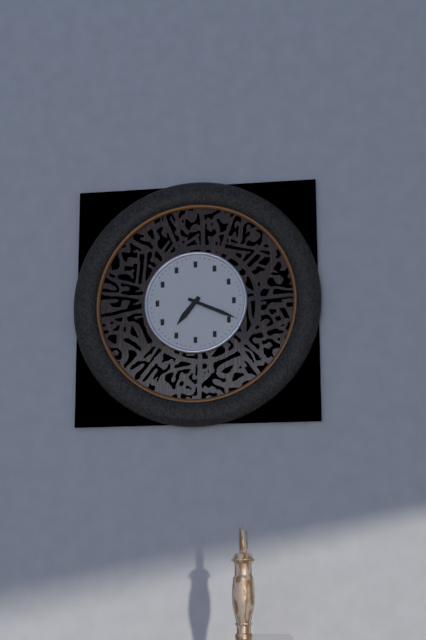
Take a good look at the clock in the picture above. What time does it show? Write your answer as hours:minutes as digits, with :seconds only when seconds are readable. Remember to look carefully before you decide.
7:19
